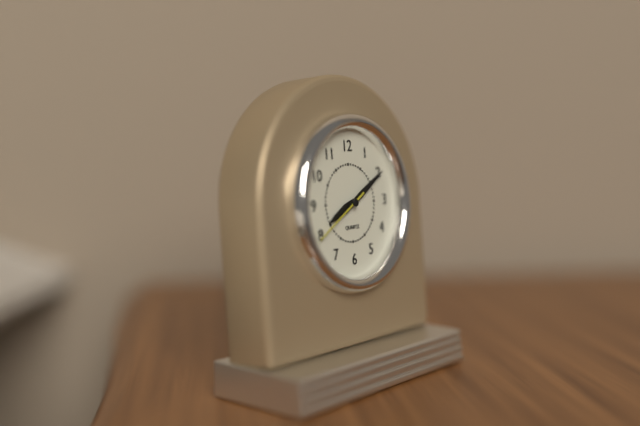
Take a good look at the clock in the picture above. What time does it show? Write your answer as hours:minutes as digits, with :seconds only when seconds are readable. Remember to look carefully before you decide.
8:10:40
